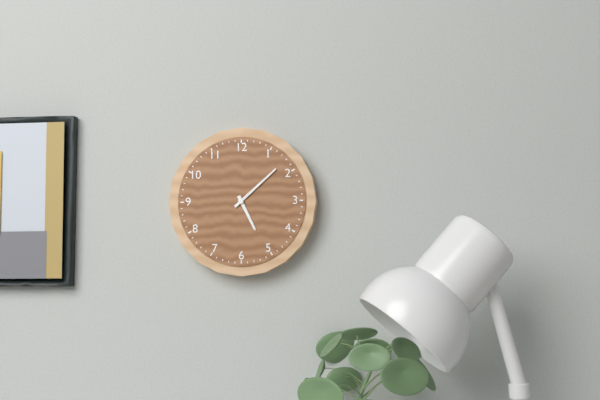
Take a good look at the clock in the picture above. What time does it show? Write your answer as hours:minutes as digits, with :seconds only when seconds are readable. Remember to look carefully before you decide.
5:08
